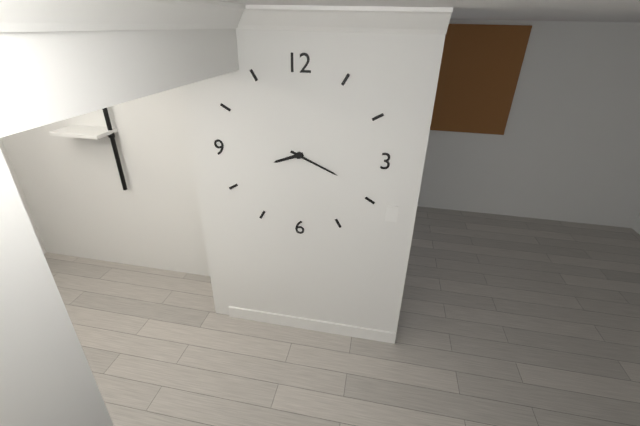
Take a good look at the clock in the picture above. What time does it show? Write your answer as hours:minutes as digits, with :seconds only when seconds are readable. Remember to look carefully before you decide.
8:19
